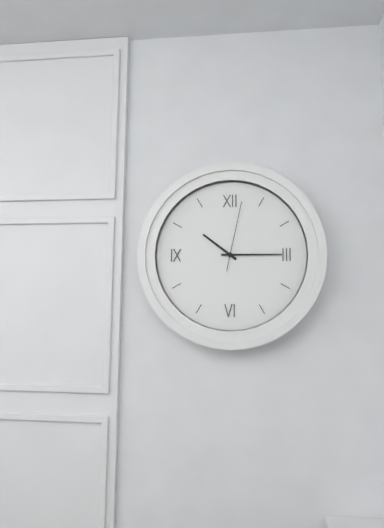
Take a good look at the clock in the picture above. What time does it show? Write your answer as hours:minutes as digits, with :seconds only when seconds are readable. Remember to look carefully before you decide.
10:15:02
